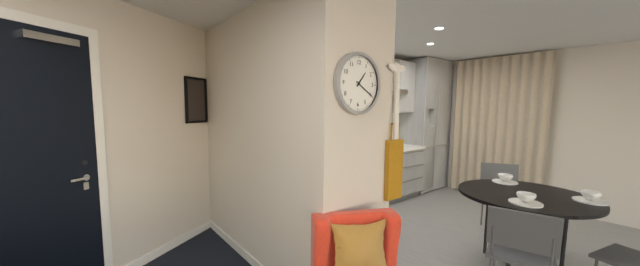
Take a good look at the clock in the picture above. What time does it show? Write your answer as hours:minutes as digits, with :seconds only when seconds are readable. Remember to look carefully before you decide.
1:20
